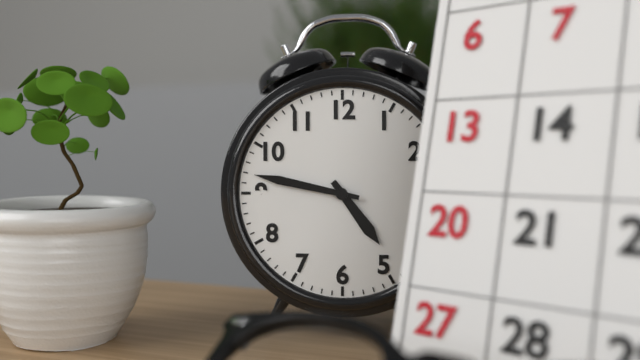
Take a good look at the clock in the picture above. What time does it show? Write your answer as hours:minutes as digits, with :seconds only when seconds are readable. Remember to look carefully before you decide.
4:47
